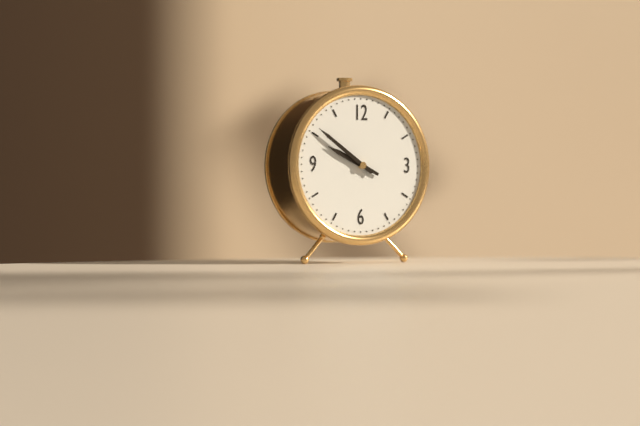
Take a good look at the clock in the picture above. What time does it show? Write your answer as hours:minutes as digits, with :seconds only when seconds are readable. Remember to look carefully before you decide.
9:51
